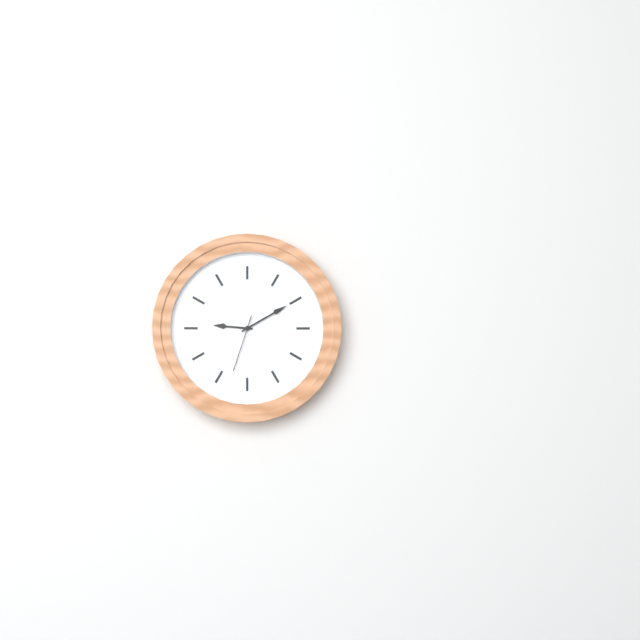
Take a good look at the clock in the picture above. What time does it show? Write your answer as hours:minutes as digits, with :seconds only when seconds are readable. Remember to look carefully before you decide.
9:10:33
